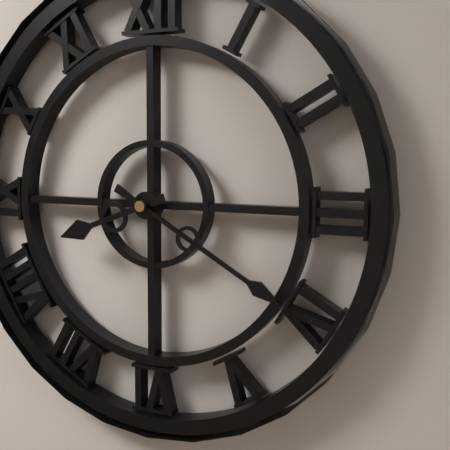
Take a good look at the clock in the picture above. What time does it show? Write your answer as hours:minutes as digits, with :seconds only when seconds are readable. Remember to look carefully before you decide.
8:20
